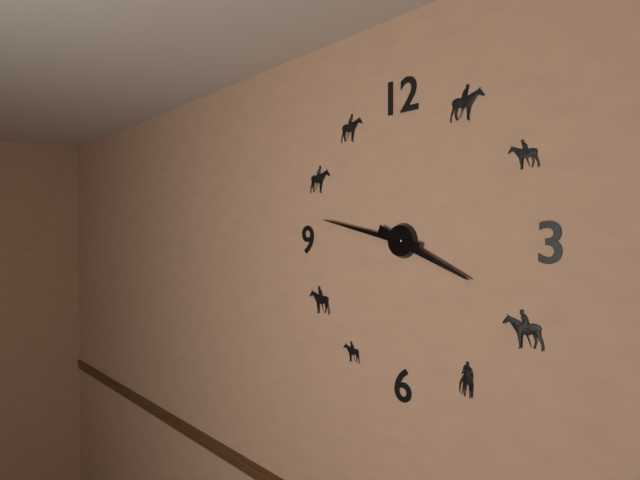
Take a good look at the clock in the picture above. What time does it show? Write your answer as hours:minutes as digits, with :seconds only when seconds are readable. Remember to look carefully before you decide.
3:47
